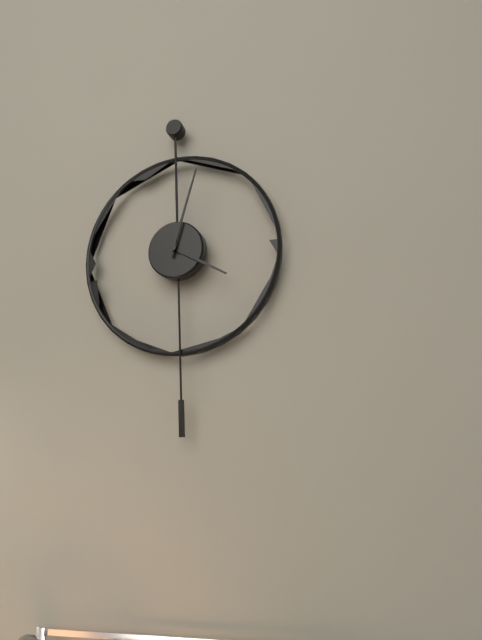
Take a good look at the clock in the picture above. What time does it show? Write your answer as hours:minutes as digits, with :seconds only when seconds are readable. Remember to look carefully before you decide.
4:03
